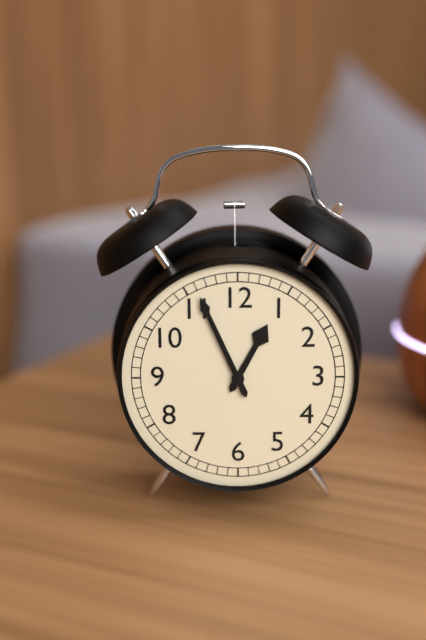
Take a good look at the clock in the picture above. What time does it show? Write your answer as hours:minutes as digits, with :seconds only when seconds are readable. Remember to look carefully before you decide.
12:56
